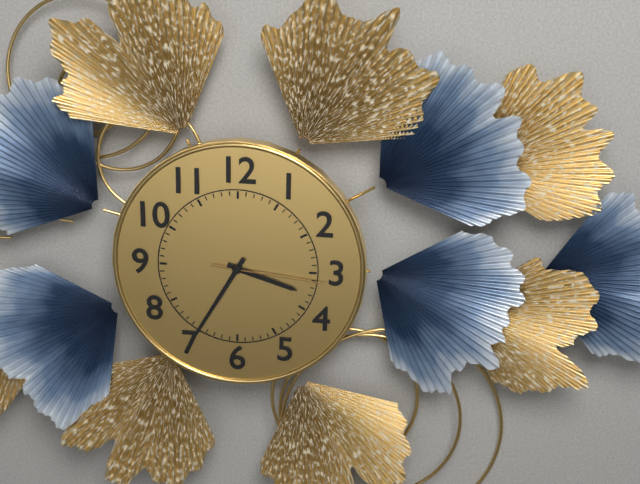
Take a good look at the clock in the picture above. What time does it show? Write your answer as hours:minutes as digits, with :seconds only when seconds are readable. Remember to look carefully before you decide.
3:35:16
